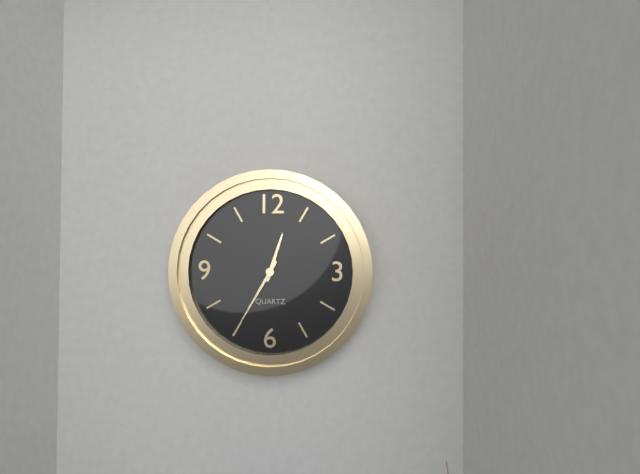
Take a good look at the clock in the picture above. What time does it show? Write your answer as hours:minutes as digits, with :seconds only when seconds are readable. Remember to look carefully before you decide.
12:35
